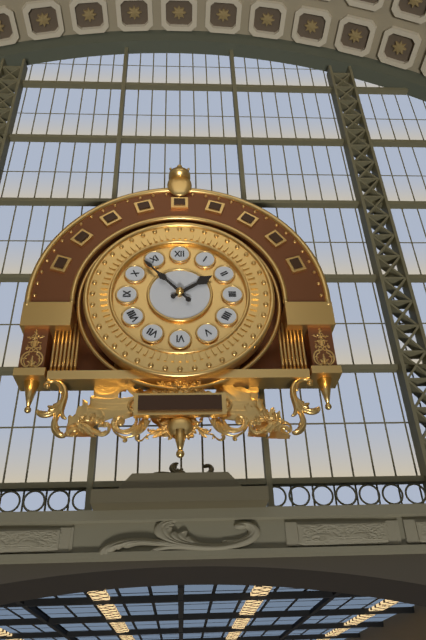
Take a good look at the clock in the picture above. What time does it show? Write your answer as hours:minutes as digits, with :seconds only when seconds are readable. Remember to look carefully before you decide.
1:53
